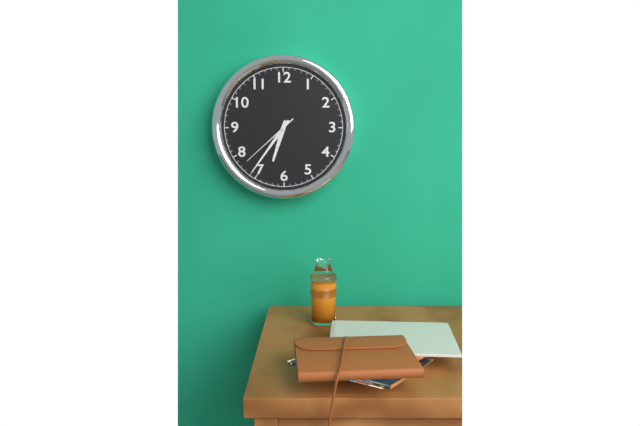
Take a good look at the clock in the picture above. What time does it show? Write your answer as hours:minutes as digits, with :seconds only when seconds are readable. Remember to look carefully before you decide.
6:36:38
